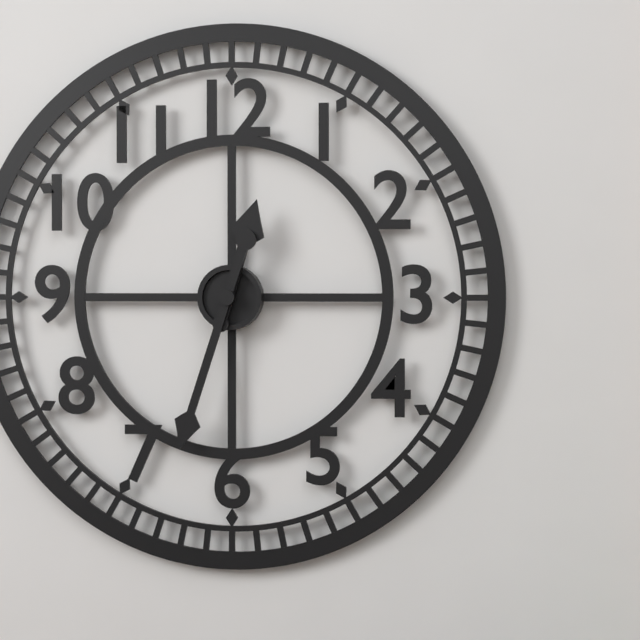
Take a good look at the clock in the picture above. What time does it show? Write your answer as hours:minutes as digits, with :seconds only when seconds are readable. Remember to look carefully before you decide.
12:33
